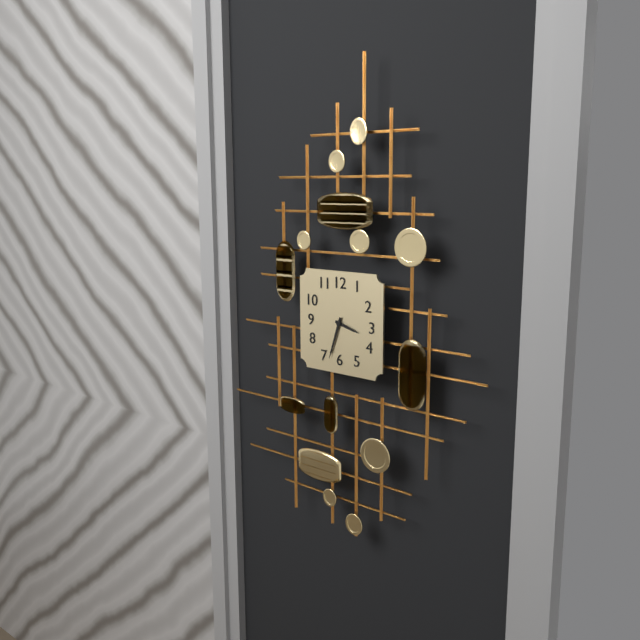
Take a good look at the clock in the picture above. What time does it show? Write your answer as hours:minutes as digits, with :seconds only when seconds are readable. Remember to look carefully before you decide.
3:33
